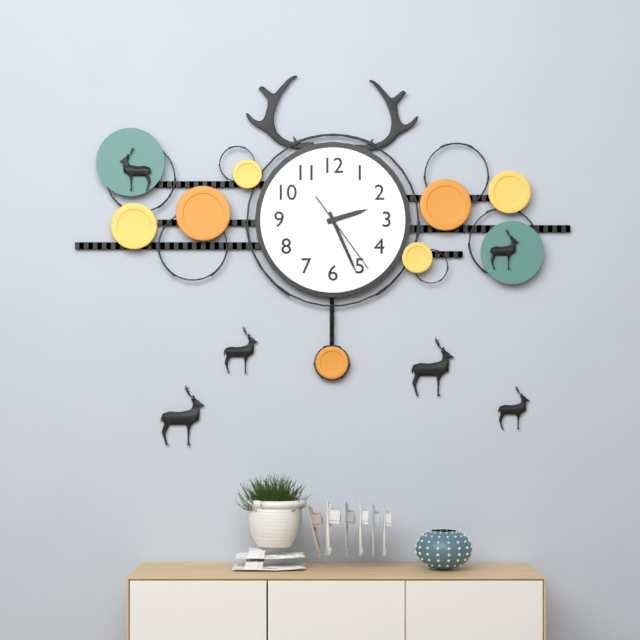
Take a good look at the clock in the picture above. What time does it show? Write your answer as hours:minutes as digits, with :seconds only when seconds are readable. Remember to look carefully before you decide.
2:26:24
